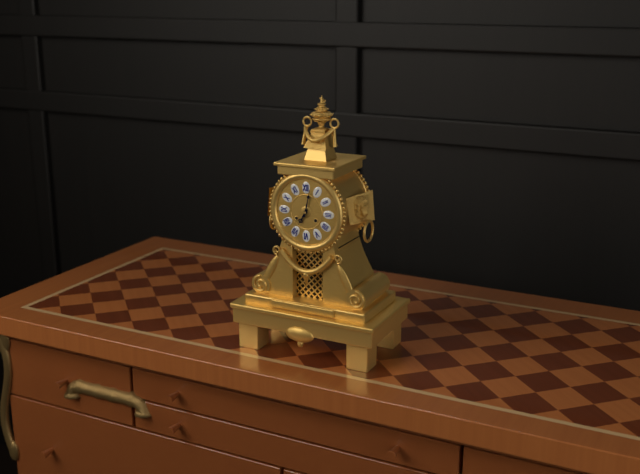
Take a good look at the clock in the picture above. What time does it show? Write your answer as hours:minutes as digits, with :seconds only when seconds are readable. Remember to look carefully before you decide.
7:02
